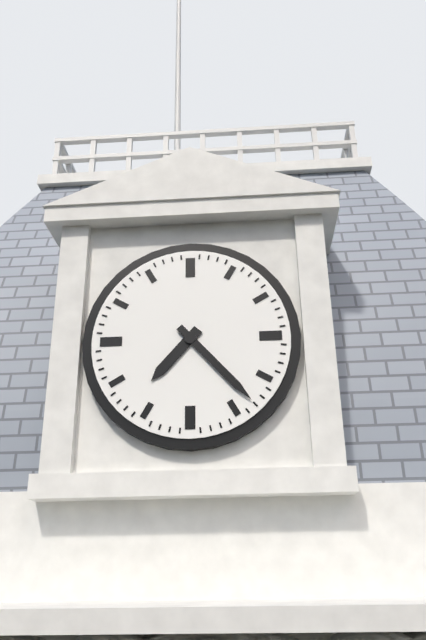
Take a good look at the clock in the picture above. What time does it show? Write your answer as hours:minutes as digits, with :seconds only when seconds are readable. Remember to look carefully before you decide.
7:23
